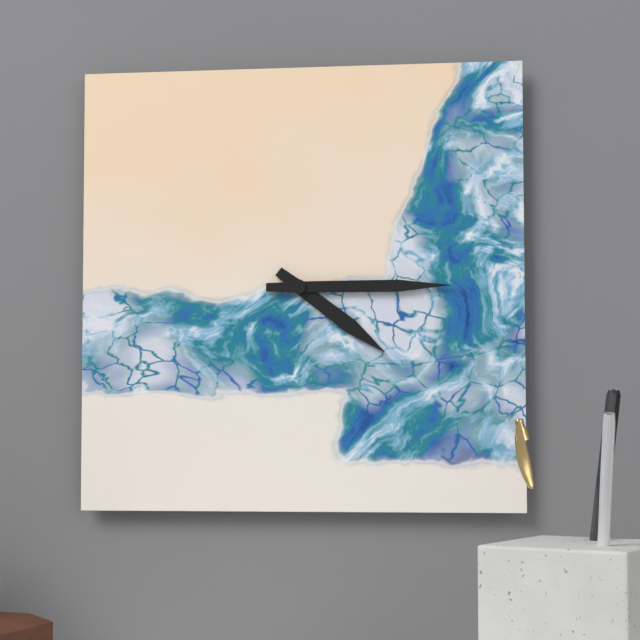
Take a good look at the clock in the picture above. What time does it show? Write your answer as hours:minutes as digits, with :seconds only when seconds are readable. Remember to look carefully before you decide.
4:15
